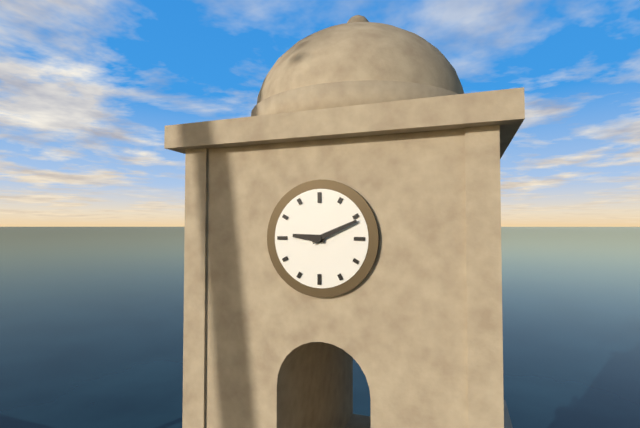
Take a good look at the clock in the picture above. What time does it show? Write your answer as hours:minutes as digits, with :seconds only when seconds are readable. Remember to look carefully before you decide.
9:11
